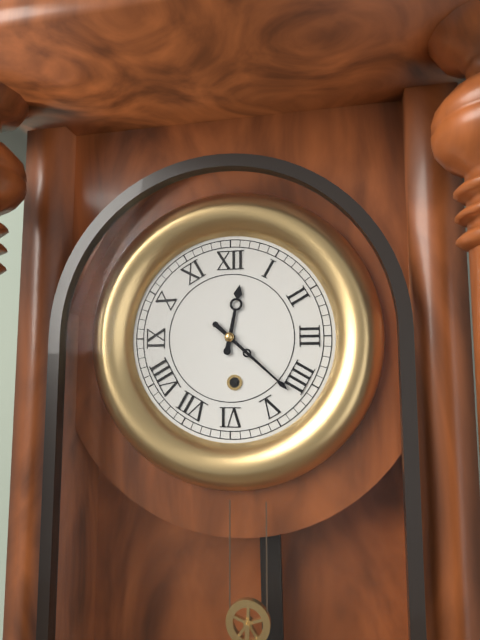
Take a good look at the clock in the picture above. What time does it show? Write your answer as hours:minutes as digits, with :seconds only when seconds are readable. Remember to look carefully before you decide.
12:22
